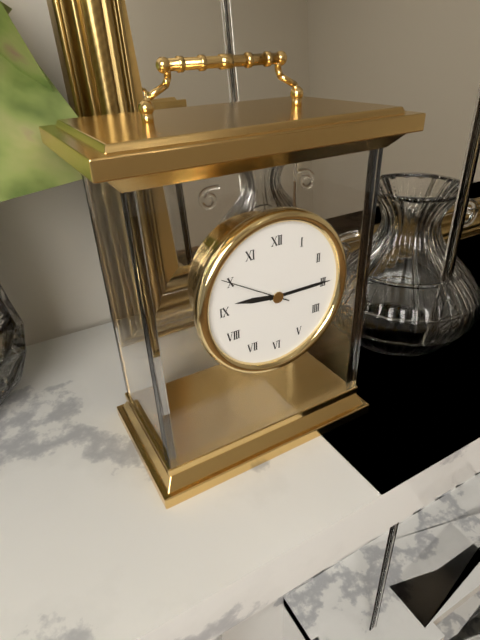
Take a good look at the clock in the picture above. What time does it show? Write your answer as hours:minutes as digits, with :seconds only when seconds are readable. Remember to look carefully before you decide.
9:15:50
